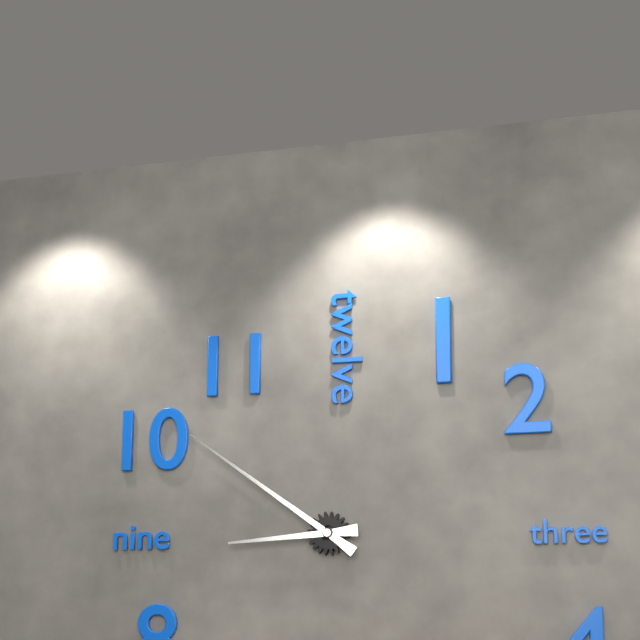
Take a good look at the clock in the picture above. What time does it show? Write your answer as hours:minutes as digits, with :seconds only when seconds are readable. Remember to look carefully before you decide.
8:51
